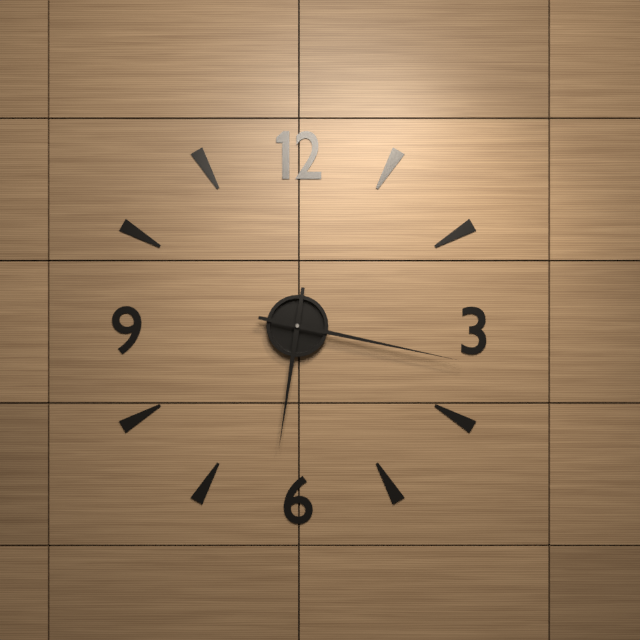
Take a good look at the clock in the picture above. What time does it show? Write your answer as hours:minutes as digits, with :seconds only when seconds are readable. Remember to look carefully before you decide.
6:17
